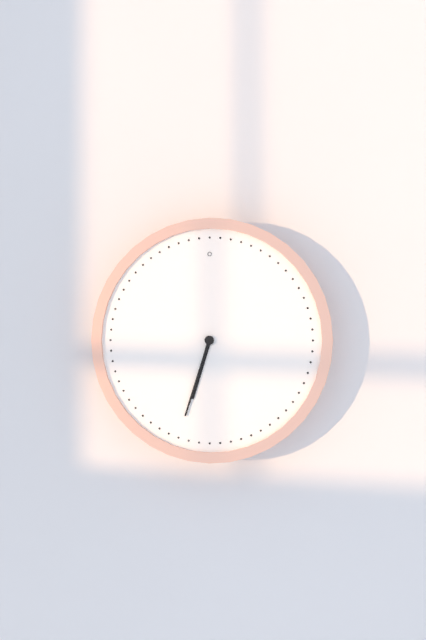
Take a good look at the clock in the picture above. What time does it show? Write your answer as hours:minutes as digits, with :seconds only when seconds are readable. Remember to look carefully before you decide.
6:33
